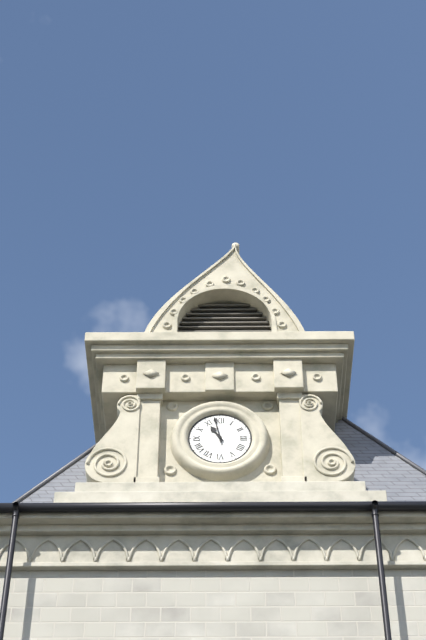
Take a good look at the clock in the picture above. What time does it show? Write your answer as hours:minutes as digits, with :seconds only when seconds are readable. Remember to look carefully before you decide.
10:58
